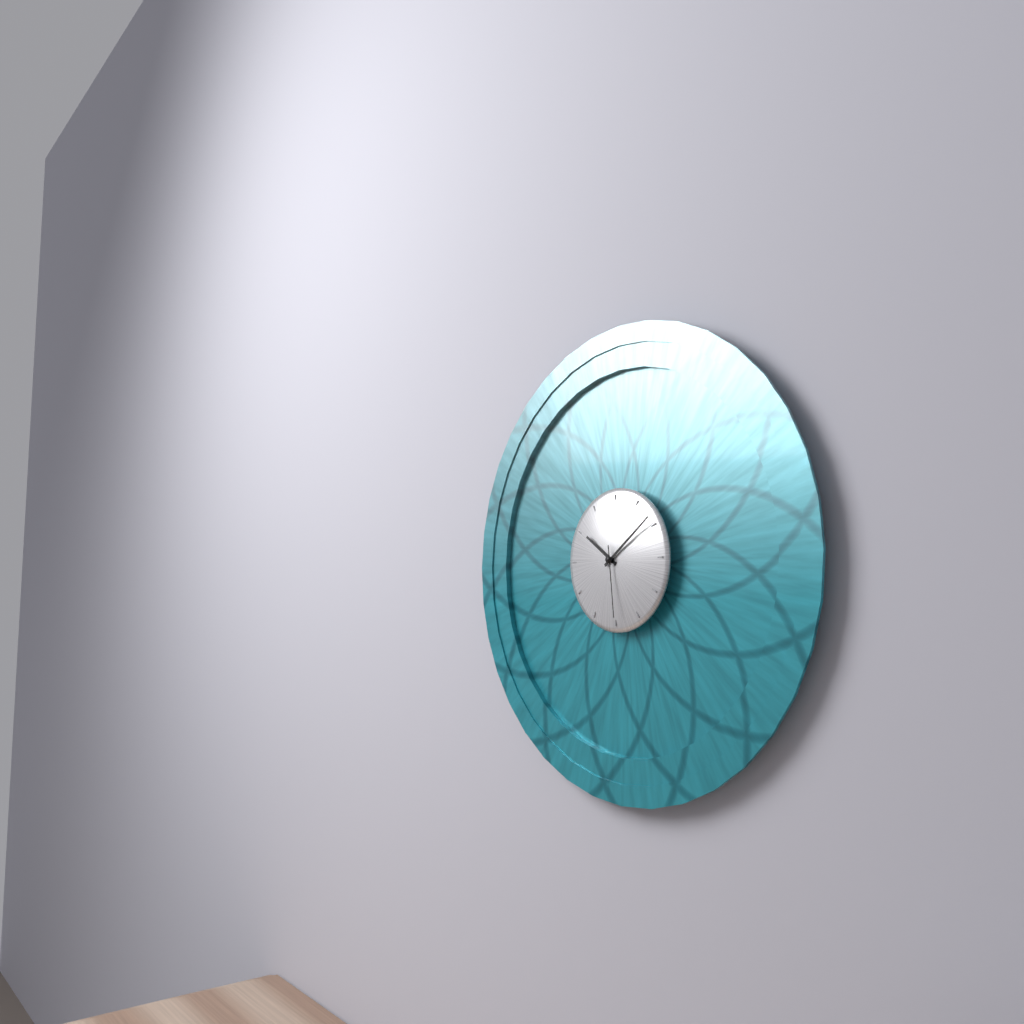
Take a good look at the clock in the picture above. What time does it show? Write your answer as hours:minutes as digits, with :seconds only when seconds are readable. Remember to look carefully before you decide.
10:09:29
